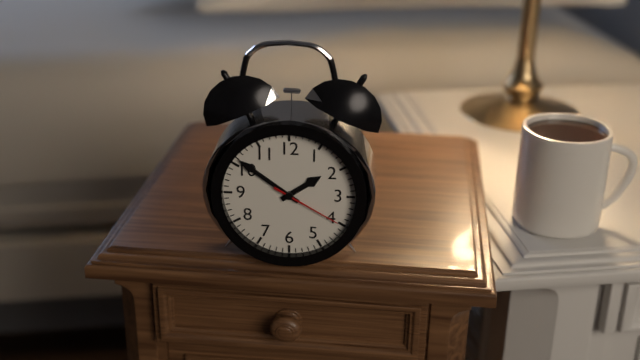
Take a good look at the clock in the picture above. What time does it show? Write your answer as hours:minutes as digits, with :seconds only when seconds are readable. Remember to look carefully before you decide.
1:51:20
